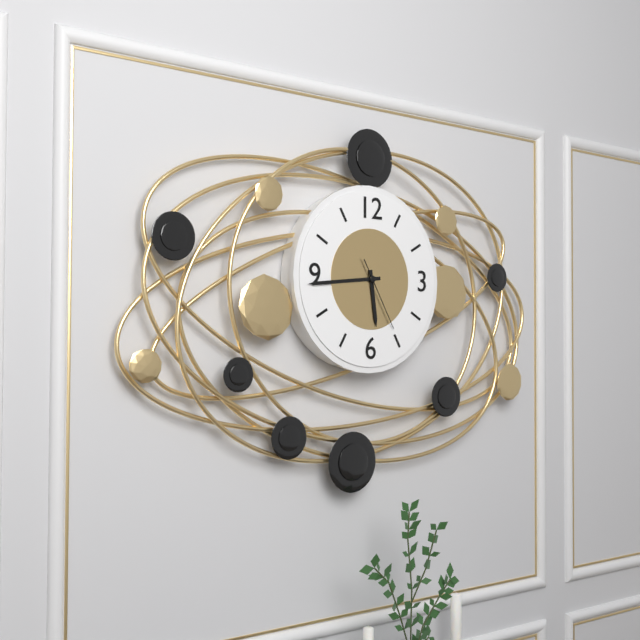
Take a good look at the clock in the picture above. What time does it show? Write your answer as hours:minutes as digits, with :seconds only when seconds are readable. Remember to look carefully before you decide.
5:44:25
